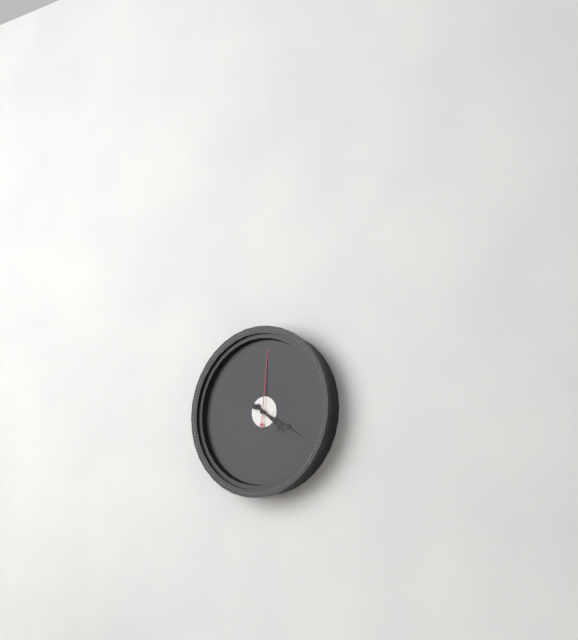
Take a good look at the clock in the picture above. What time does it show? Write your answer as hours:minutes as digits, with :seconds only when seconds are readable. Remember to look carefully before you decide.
4:20:01
